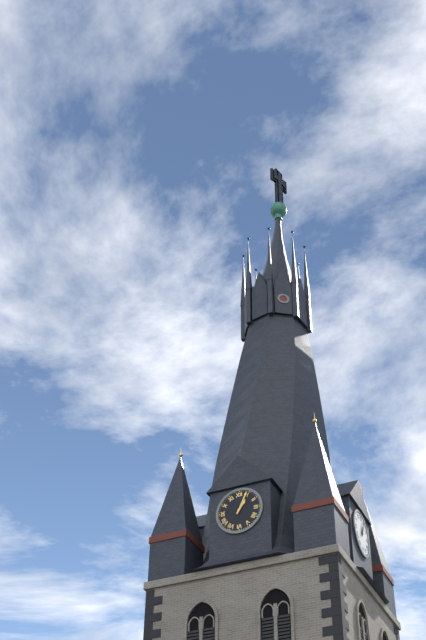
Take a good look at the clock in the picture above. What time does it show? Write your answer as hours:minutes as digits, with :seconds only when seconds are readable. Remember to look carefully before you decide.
1:04
